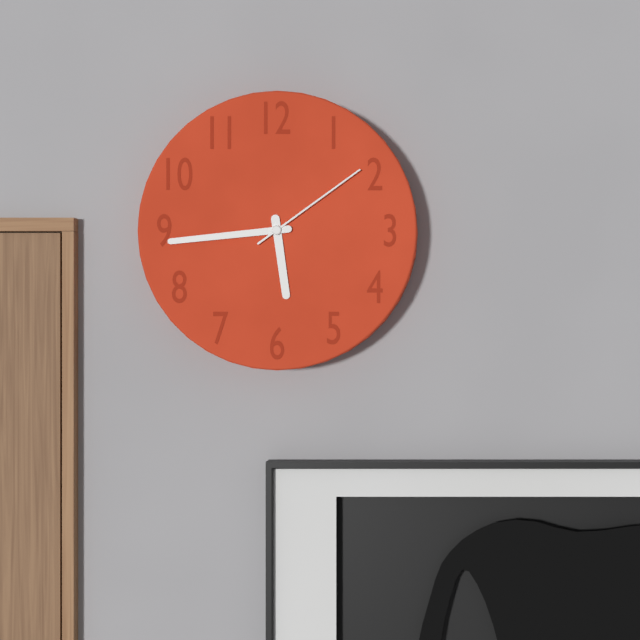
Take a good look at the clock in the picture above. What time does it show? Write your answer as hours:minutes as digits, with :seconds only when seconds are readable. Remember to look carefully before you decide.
5:44:09
